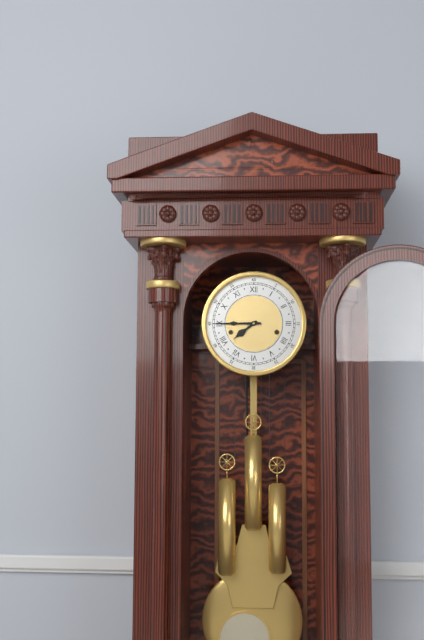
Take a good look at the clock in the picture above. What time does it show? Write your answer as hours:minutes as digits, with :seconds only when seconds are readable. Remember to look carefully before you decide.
7:45
